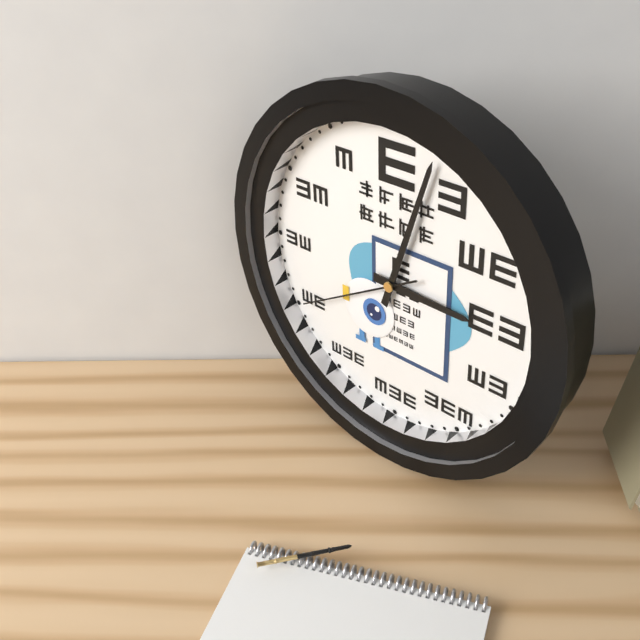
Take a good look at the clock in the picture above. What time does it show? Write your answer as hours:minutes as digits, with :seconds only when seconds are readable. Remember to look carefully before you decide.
3:03:40
